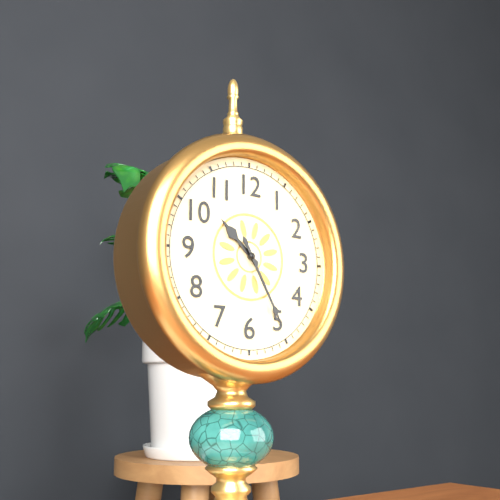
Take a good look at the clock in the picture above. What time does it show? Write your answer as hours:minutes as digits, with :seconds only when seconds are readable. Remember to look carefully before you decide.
10:25
